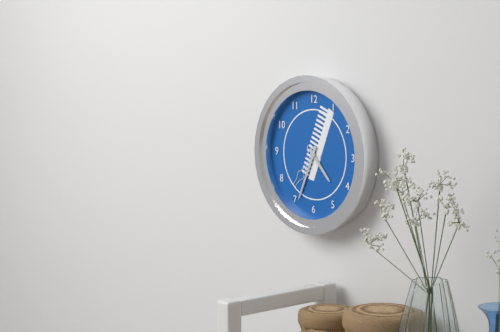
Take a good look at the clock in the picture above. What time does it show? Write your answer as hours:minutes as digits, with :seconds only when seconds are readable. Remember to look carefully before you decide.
4:34
